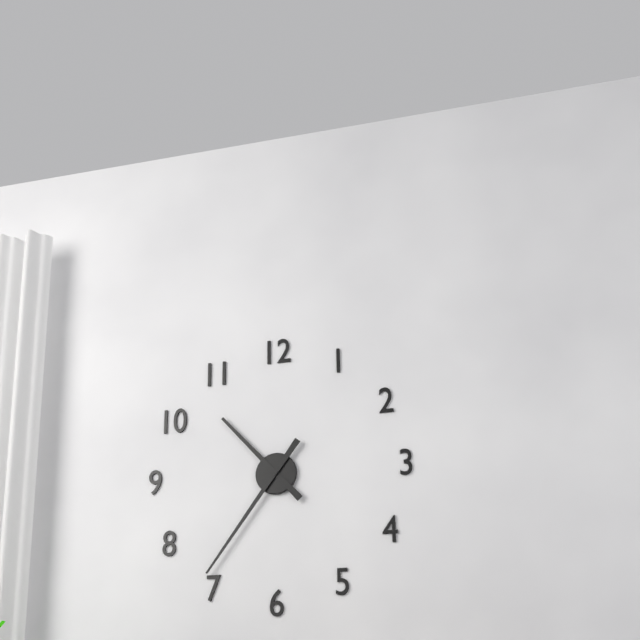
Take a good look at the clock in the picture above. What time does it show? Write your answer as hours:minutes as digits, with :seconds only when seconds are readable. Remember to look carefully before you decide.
10:36
